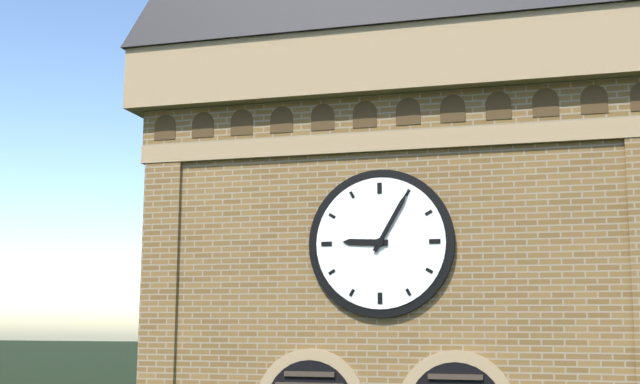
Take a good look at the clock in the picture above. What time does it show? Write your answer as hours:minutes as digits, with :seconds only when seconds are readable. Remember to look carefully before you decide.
9:05
